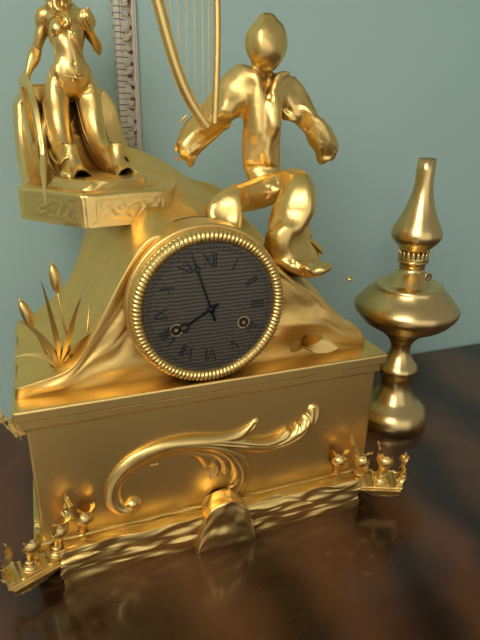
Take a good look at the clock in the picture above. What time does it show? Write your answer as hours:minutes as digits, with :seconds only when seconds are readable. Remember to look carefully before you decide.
7:57
